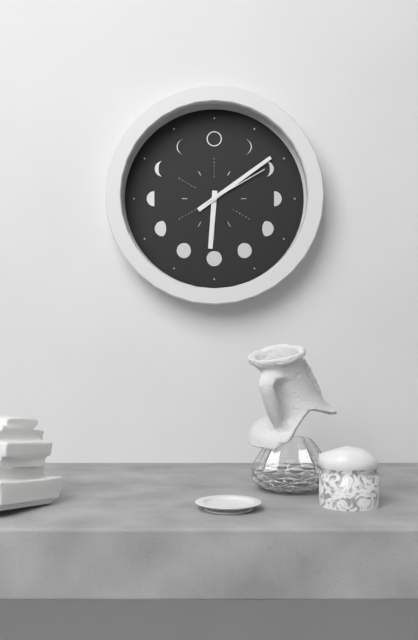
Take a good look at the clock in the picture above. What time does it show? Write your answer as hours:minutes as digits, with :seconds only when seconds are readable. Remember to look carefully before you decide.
6:09:10
